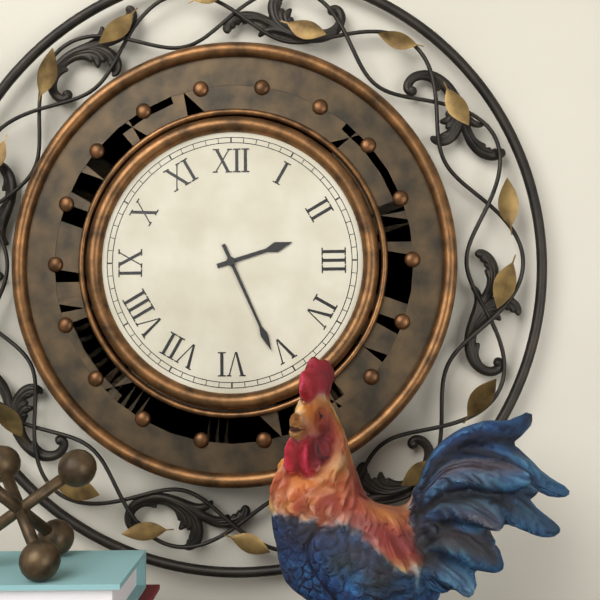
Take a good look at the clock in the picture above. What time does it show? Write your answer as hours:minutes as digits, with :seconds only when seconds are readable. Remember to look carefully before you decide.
2:26
